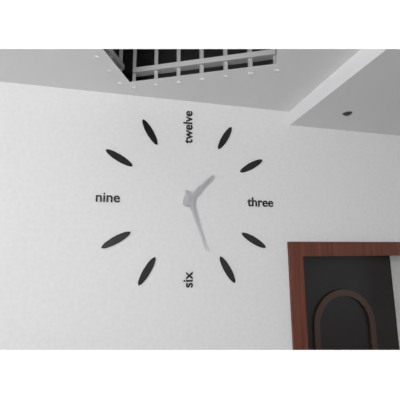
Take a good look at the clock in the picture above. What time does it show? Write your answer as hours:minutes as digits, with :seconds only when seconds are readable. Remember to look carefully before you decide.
1:27
